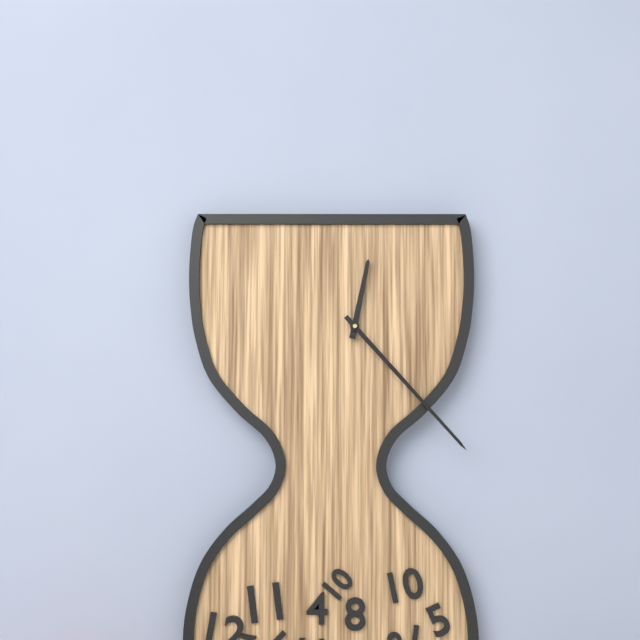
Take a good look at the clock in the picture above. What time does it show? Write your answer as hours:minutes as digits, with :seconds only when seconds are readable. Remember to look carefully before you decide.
12:23
